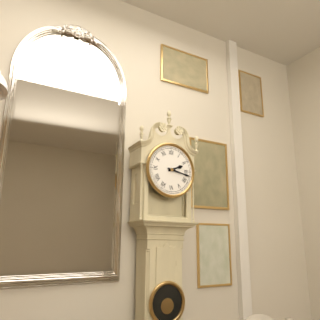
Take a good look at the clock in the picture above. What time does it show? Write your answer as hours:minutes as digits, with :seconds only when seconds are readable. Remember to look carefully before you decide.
2:17
